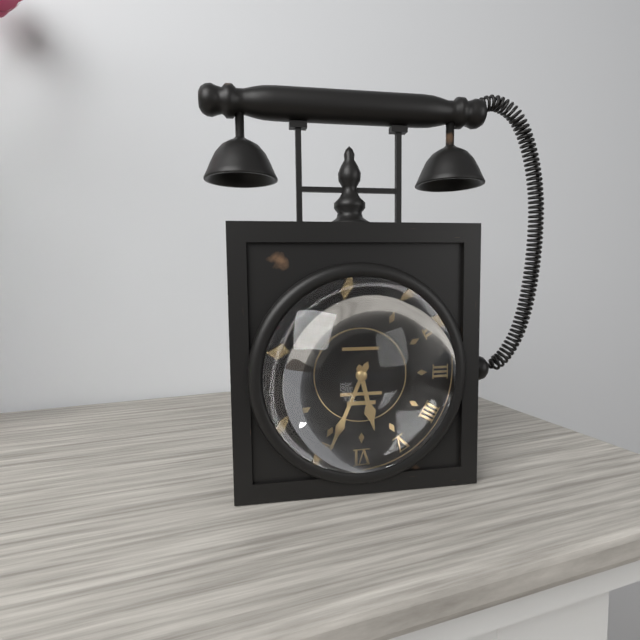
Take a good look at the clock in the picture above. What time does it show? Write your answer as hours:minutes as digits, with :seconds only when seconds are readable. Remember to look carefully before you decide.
5:34
